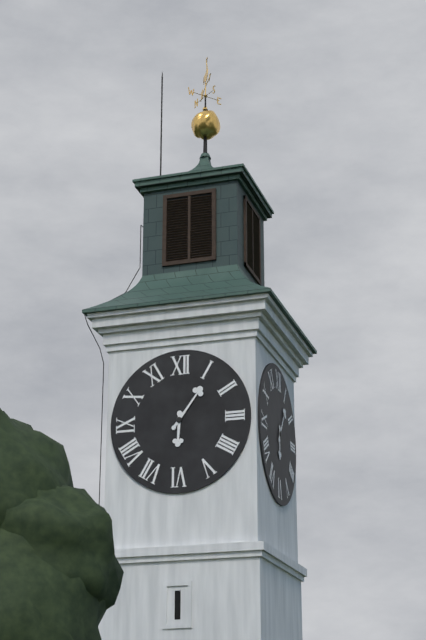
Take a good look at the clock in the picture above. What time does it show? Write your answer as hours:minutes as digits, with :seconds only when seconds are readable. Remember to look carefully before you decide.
6:06
